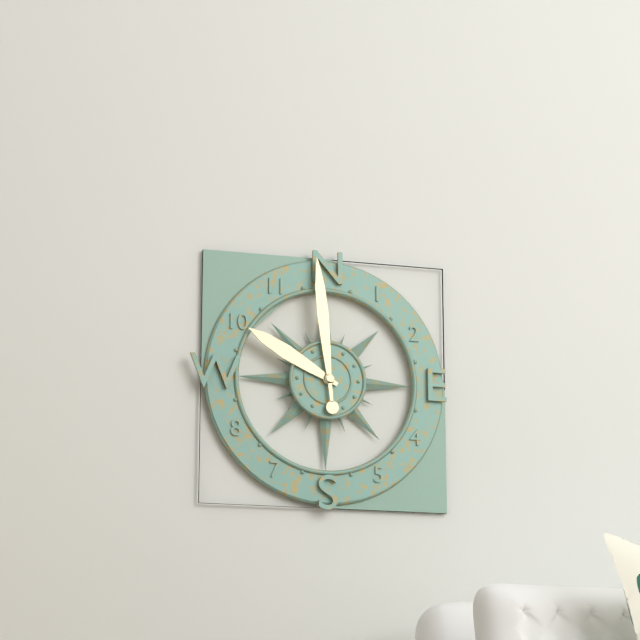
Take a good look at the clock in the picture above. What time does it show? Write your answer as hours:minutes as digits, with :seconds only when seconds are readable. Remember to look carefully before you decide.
9:59
